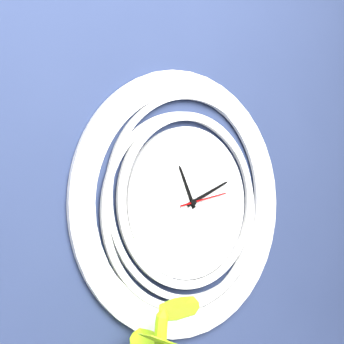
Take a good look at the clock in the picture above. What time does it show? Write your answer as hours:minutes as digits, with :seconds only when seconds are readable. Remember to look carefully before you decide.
11:11
